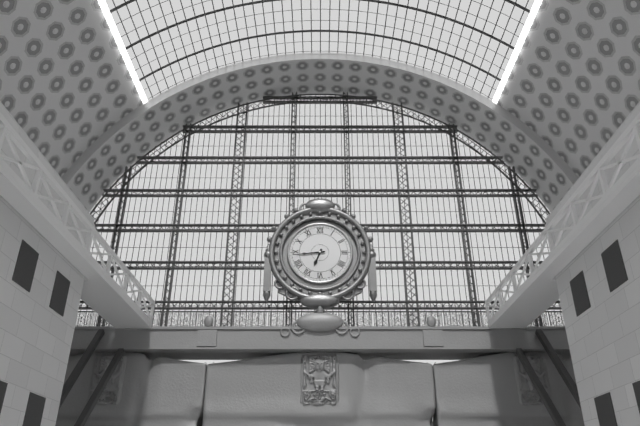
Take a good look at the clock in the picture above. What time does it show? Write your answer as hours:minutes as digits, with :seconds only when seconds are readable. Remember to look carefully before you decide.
6:44
